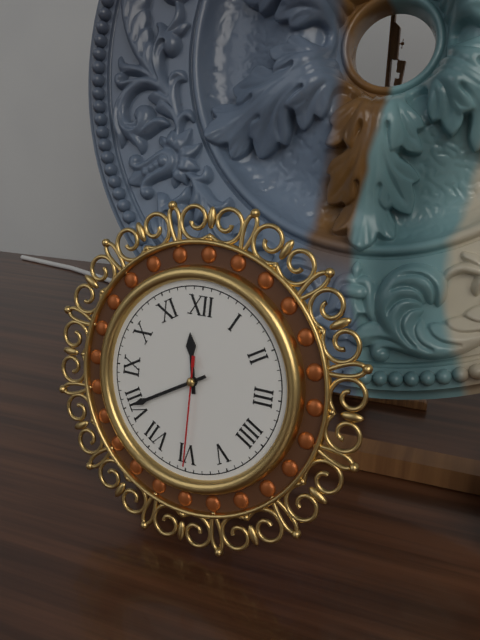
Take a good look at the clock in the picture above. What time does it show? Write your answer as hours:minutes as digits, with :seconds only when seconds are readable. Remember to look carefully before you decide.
11:40:30
